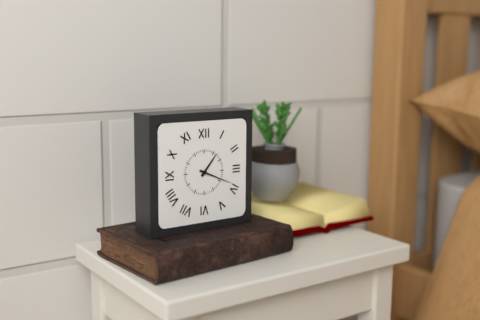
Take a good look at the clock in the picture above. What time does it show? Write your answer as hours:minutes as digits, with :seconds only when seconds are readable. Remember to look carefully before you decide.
1:19
